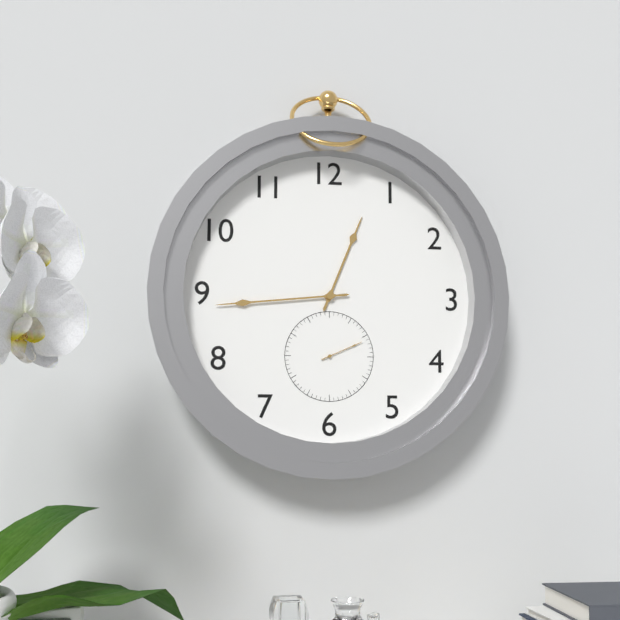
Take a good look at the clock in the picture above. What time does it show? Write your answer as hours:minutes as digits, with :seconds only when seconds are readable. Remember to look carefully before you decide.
12:44
